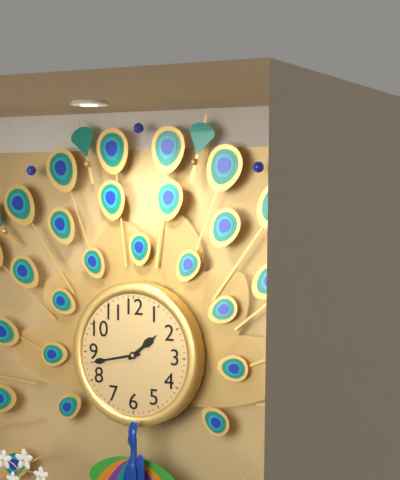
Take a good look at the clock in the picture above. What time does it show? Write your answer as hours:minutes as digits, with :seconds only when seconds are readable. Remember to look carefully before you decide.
1:43
